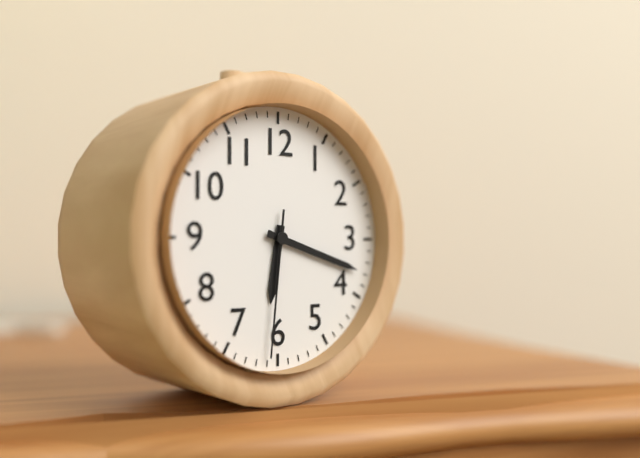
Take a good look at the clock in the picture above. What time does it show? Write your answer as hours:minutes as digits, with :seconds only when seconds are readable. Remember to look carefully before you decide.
6:18:31
